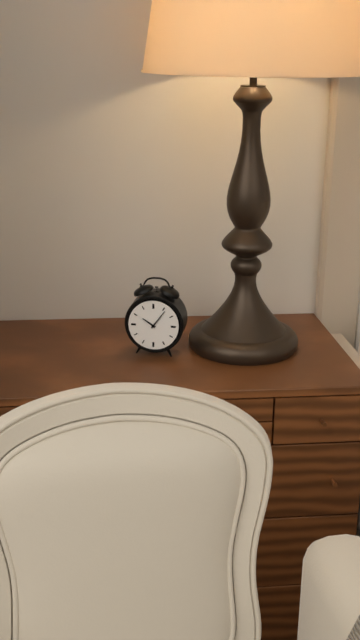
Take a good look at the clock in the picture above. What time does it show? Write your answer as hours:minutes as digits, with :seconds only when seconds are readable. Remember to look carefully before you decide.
10:06
